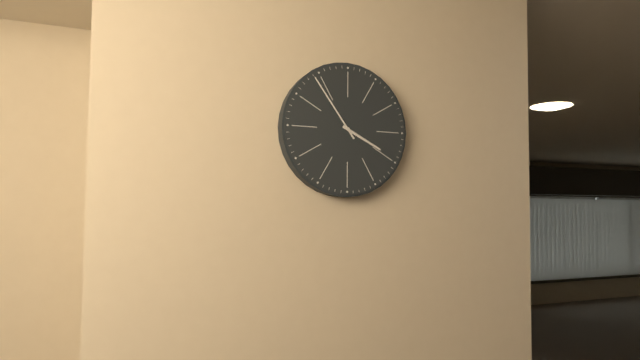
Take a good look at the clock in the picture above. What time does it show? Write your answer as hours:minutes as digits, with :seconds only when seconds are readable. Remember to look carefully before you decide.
3:54
